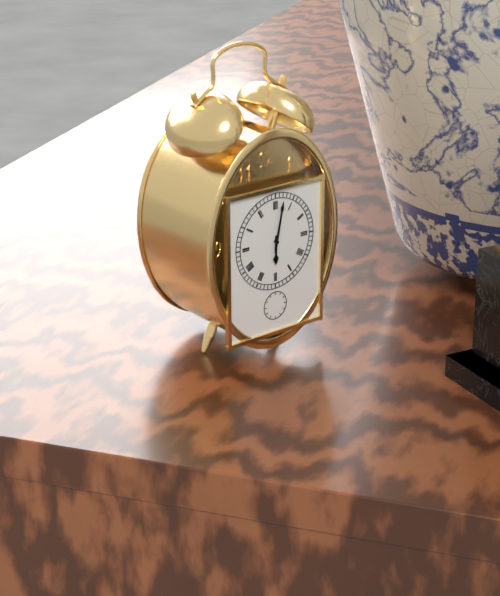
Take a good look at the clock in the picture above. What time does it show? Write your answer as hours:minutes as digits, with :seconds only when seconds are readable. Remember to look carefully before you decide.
6:02
